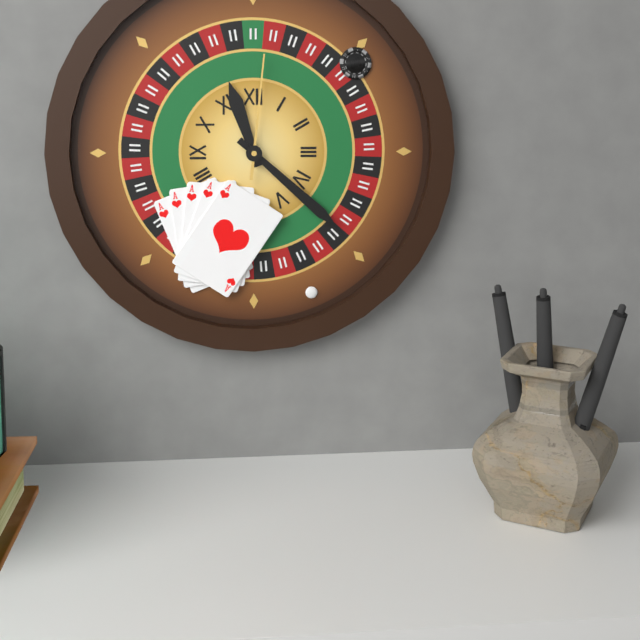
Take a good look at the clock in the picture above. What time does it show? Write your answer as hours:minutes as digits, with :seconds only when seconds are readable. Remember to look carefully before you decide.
11:22:01
